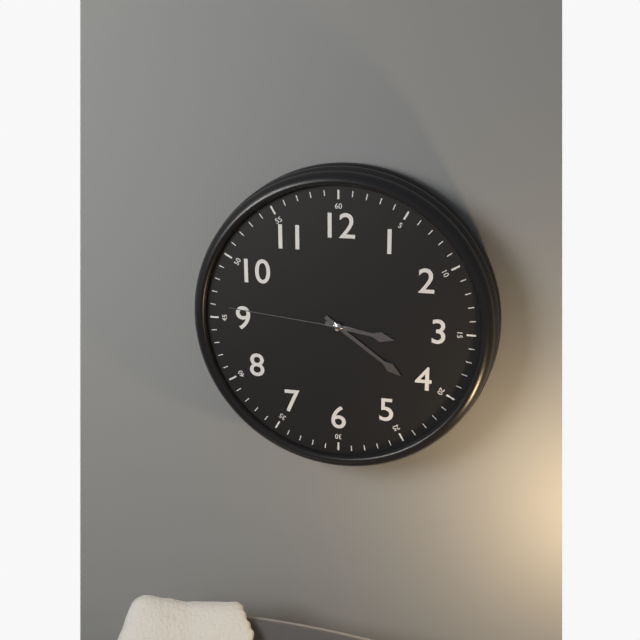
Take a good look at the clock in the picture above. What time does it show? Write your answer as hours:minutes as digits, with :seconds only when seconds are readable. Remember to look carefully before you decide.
3:21:46
